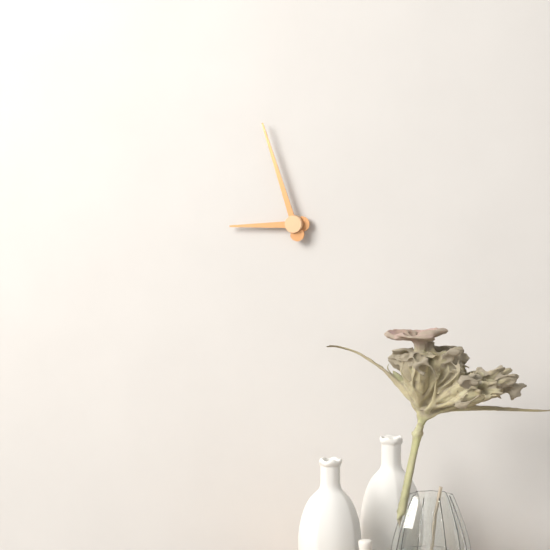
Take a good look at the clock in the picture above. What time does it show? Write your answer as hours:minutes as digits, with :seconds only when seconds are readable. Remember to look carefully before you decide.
8:57
